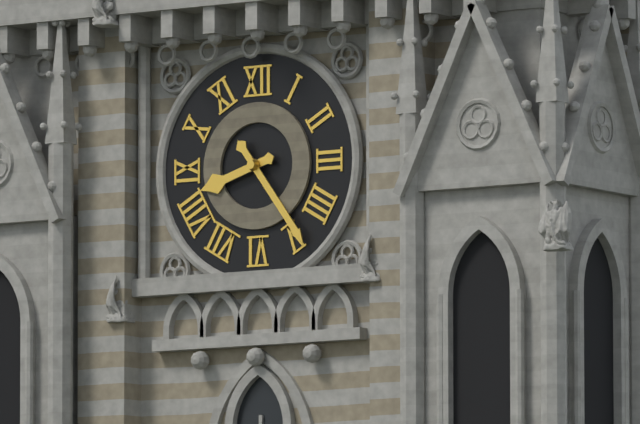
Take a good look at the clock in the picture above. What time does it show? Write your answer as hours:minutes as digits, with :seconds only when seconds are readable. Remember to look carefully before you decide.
8:24
